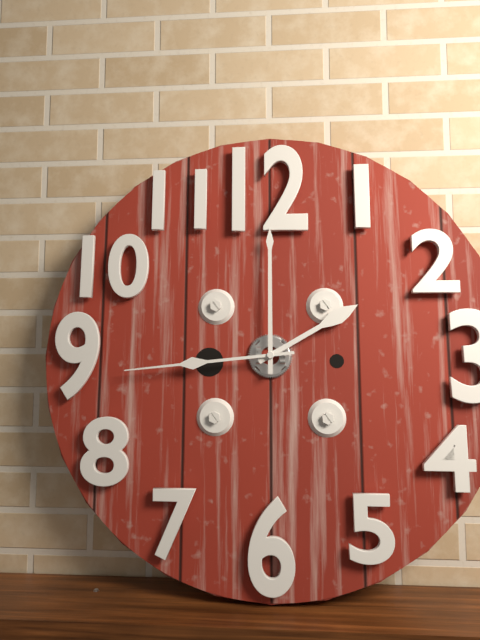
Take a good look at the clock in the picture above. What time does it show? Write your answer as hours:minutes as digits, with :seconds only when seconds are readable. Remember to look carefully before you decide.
2:00:44
